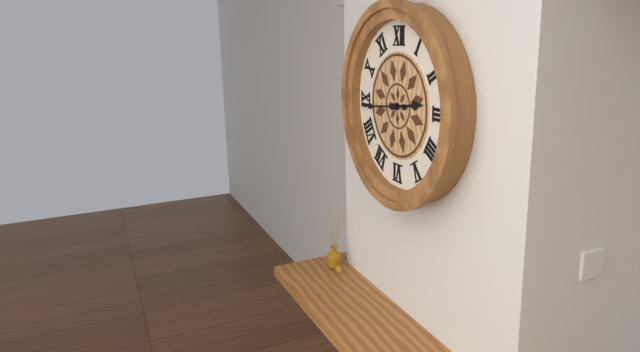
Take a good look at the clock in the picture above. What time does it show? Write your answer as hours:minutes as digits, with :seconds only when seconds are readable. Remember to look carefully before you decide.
2:44
